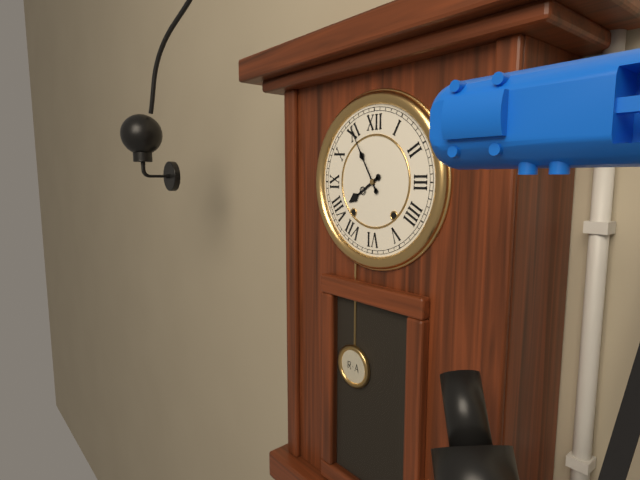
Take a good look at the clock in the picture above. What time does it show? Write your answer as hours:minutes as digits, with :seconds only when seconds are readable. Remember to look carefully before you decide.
7:55
